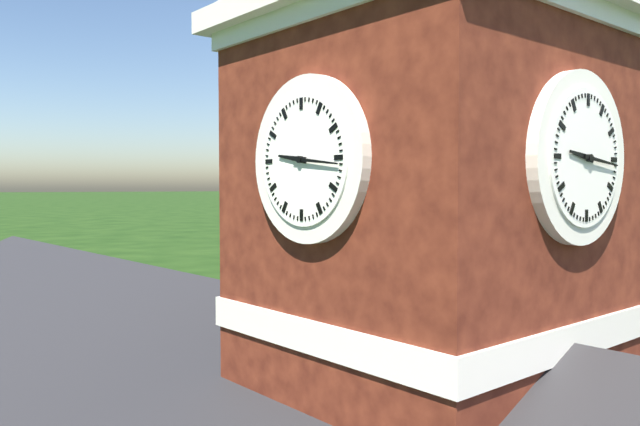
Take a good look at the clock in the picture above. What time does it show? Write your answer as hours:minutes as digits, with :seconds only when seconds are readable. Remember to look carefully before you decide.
9:16
